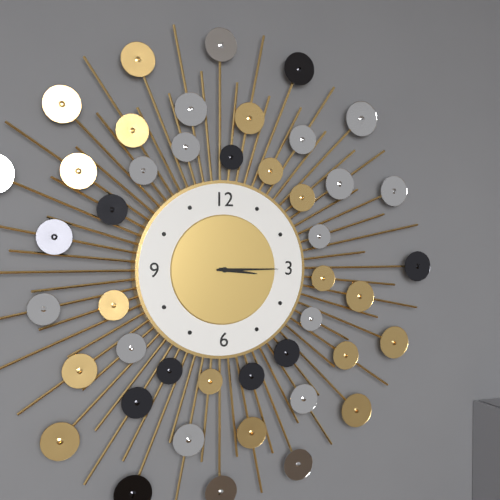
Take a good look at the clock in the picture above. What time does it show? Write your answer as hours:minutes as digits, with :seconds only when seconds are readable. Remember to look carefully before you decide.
3:15
